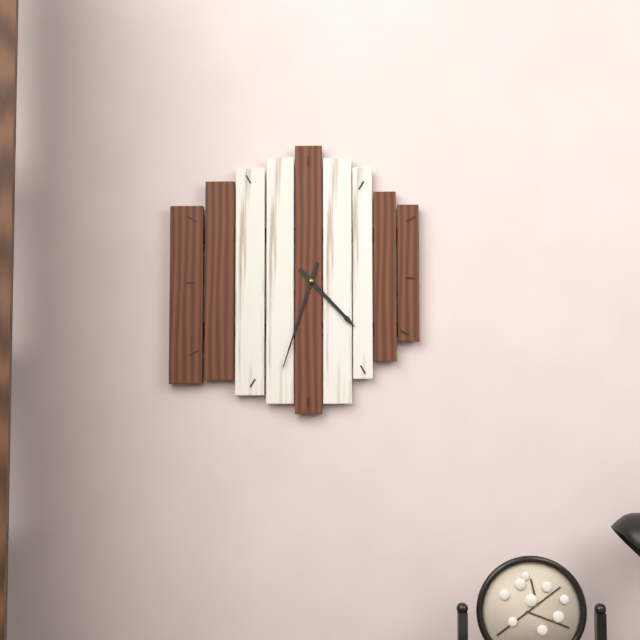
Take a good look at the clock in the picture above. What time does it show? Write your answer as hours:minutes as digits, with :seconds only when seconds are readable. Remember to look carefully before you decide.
4:33
